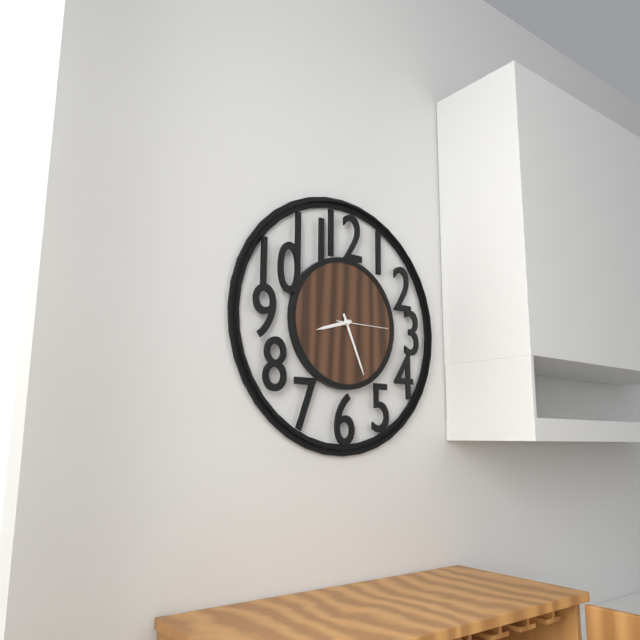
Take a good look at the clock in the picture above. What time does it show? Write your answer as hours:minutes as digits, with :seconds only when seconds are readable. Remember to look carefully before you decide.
8:26:15
